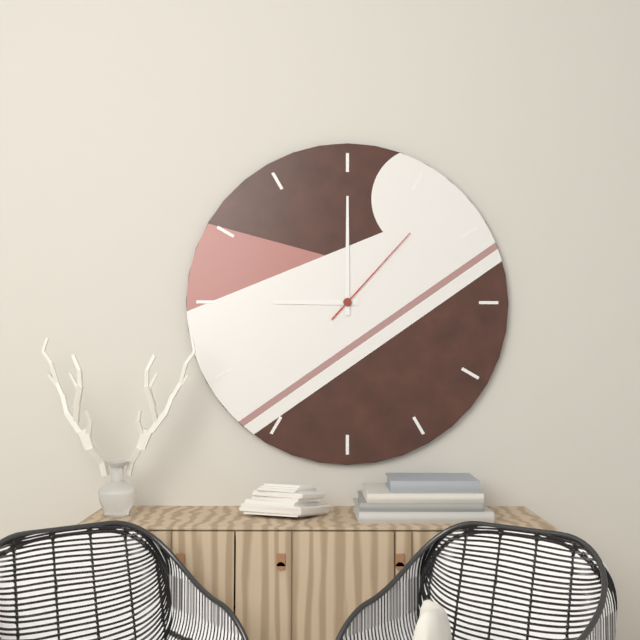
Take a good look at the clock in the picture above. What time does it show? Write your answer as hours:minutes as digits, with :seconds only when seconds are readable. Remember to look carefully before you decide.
9:00:07
